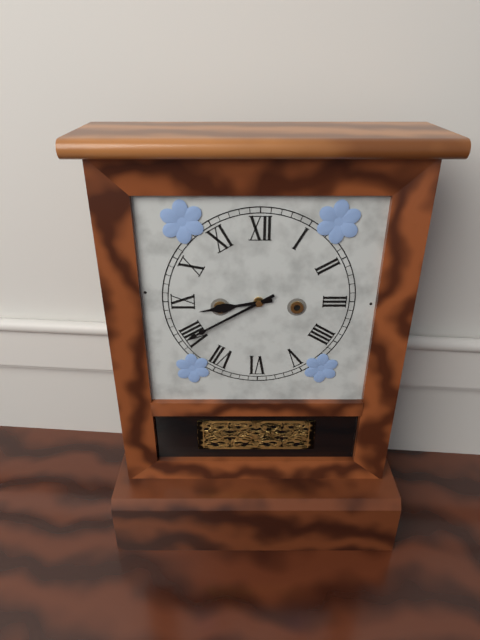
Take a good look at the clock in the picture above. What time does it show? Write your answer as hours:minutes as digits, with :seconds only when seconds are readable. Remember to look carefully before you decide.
8:40
